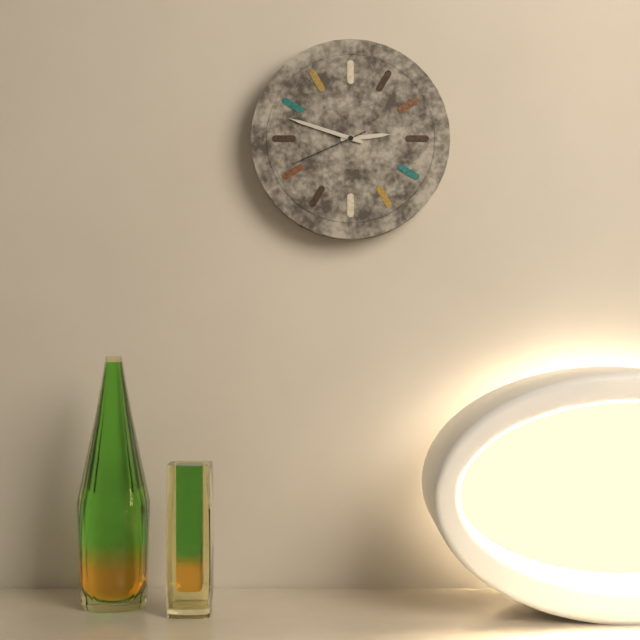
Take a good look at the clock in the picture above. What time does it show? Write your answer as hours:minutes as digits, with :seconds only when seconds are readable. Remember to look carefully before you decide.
2:48:41
